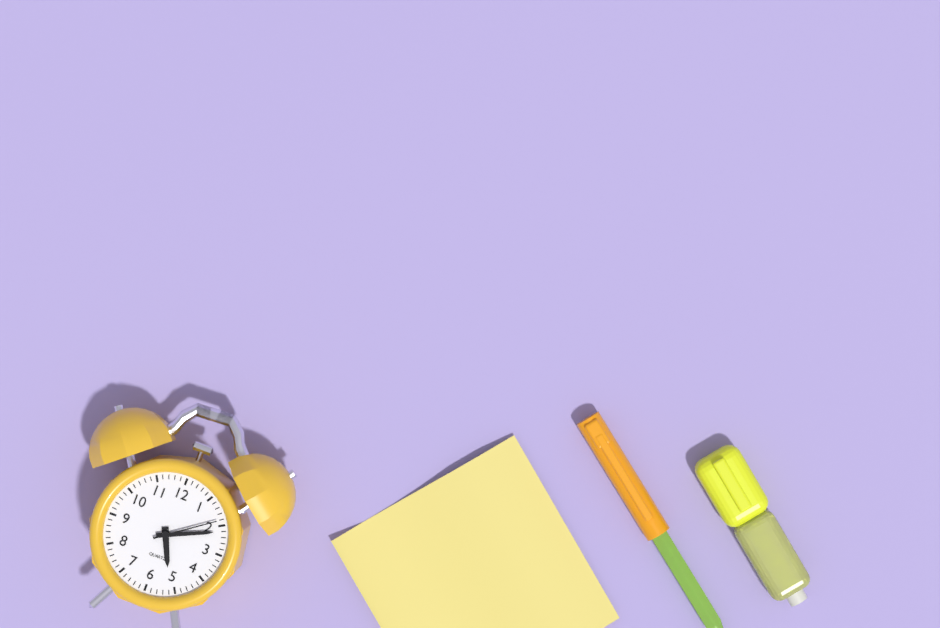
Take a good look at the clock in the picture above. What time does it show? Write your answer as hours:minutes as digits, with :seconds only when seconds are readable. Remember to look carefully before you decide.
5:11:09
